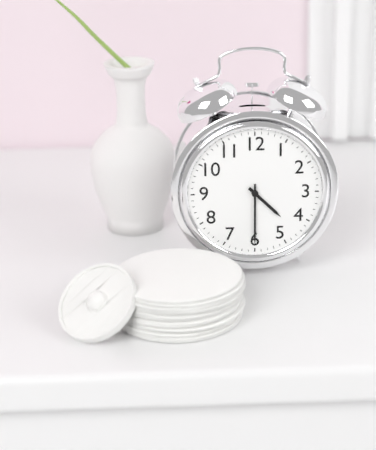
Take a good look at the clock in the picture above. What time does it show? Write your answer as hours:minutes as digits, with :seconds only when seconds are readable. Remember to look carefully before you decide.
4:30
